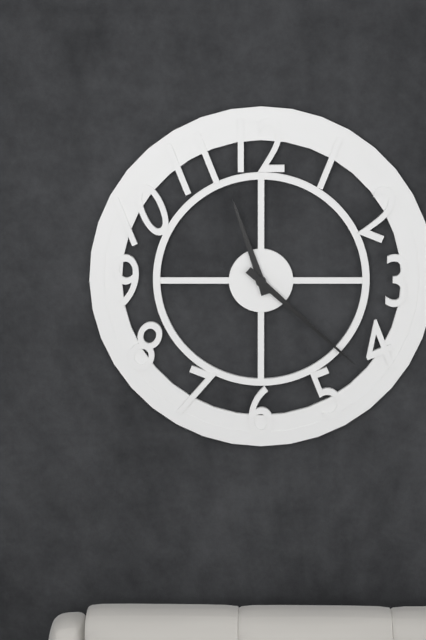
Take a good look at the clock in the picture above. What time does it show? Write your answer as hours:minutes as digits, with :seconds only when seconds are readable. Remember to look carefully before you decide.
11:22
